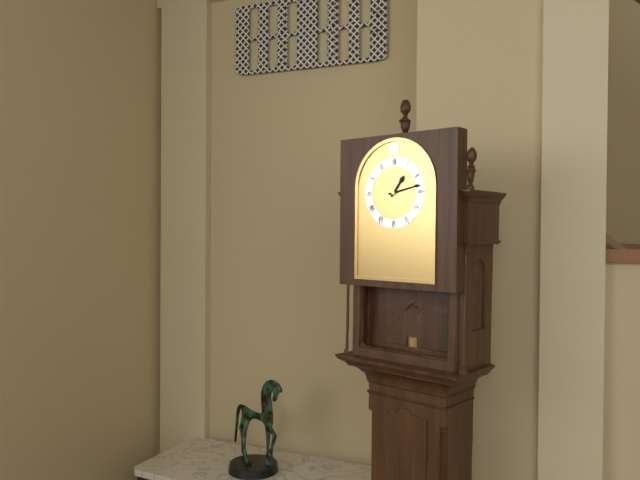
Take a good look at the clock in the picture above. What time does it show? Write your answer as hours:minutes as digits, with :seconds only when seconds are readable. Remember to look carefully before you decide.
1:13
